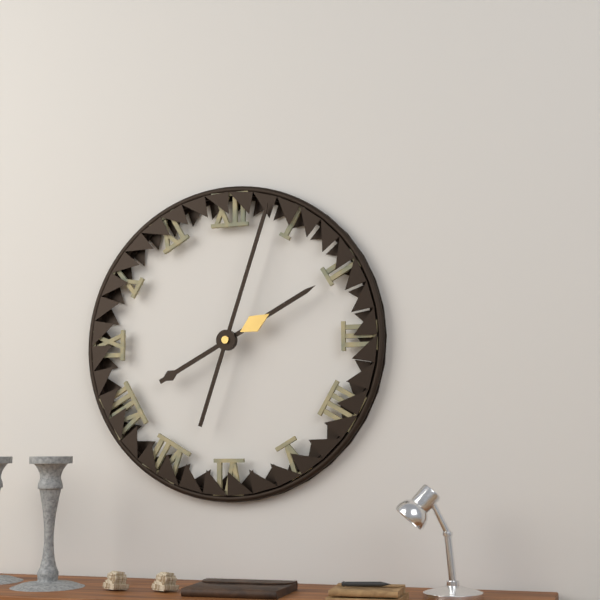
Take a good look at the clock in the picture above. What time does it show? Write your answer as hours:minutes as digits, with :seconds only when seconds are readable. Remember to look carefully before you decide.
2:03
